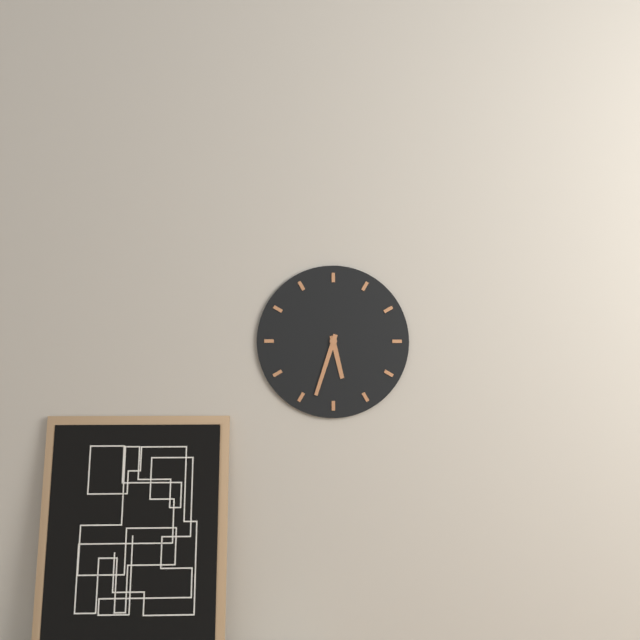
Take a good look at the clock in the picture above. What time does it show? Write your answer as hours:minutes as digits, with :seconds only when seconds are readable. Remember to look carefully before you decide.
5:33
